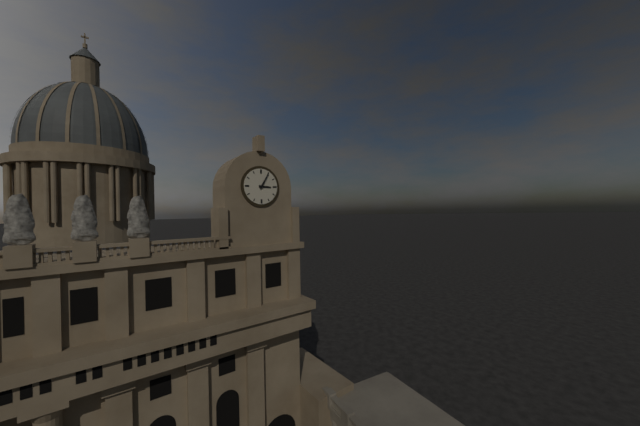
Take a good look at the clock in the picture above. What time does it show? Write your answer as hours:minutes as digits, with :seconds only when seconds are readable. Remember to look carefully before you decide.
3:05
